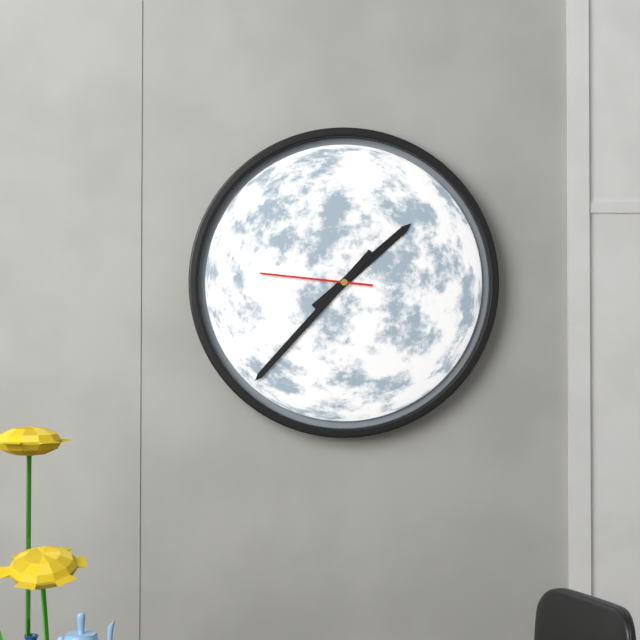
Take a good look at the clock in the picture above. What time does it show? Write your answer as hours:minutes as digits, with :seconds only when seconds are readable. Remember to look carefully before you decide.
1:37:46
